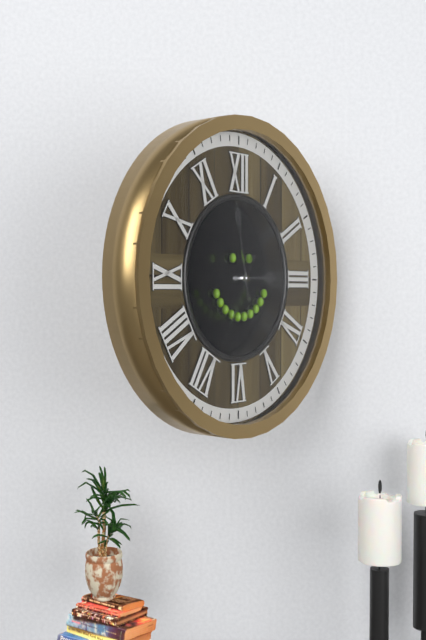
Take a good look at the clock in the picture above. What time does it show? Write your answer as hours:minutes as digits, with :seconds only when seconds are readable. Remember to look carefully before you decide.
2:58:35
